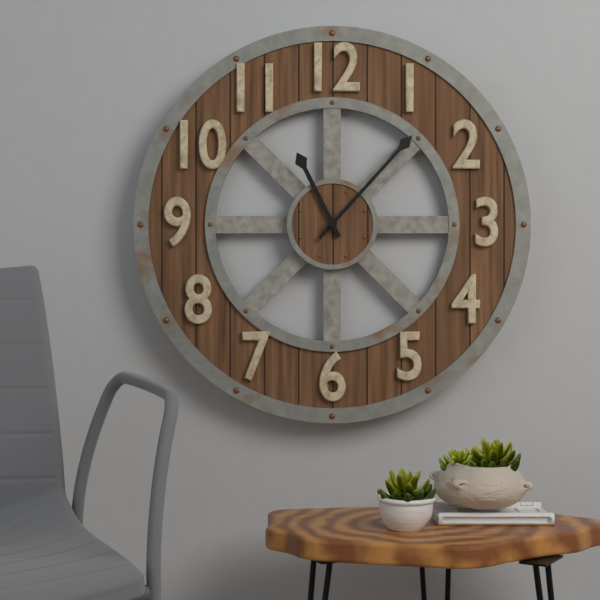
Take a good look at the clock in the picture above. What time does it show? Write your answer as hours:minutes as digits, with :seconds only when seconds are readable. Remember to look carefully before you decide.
11:07
